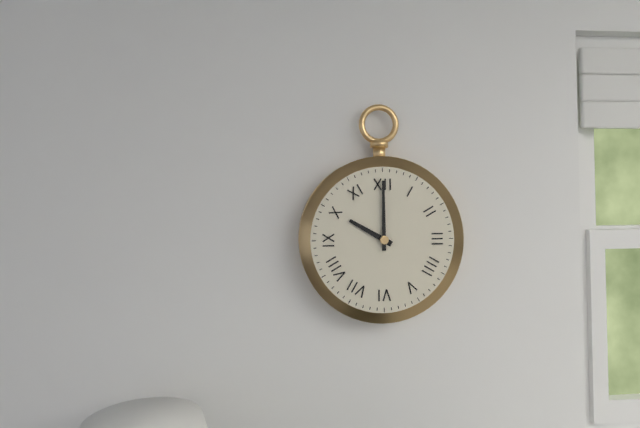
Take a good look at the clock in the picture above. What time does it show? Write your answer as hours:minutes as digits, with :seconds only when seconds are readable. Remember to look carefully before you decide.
10:00
